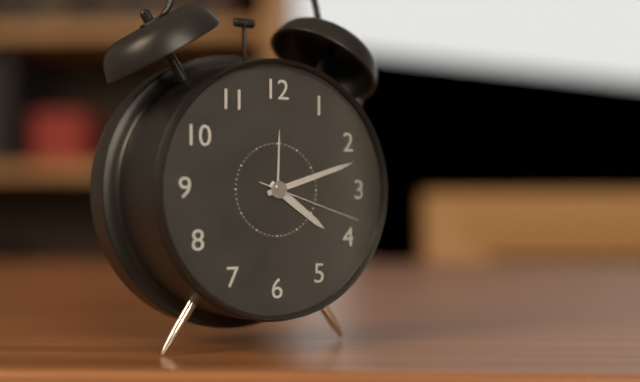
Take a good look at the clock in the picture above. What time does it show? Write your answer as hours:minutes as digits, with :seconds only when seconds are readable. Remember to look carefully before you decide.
4:12:18
